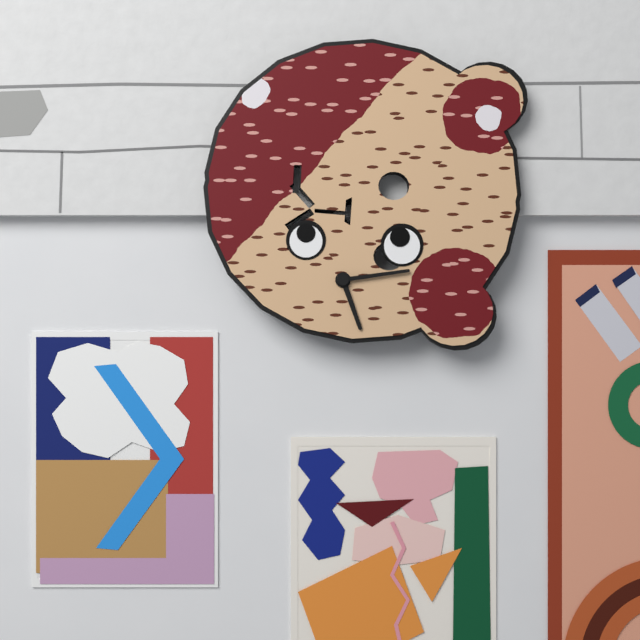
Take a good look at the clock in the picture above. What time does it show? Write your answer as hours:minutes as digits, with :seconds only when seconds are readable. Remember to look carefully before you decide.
5:13
